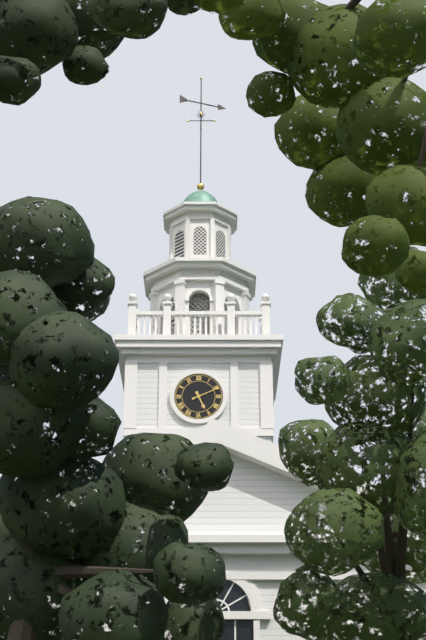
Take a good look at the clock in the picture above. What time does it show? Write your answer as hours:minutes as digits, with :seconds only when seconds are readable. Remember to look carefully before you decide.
5:11
